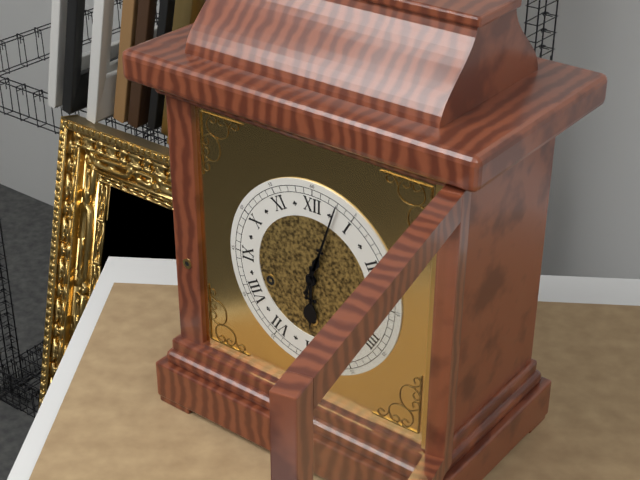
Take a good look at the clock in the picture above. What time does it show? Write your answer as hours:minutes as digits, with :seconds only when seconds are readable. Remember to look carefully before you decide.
6:03
